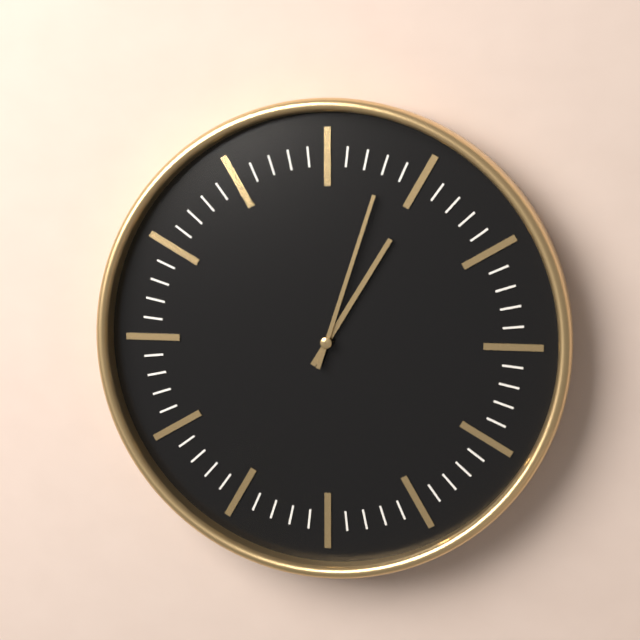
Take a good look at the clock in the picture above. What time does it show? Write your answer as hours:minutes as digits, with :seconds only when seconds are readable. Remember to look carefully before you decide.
1:03
